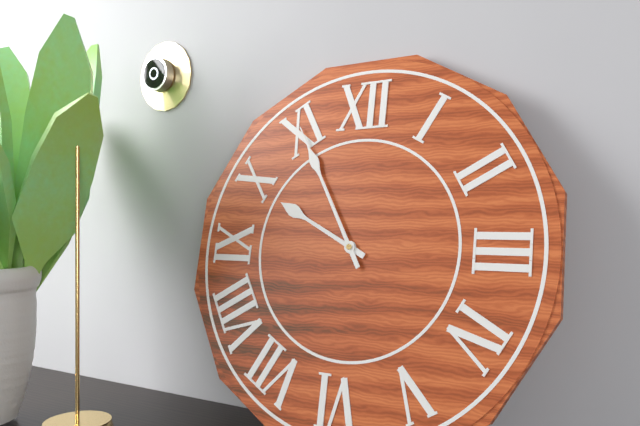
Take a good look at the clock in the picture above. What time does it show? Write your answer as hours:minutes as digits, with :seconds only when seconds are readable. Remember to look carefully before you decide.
9:55
